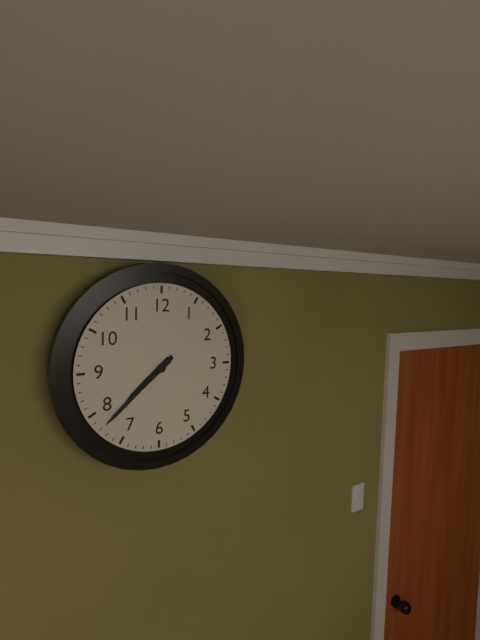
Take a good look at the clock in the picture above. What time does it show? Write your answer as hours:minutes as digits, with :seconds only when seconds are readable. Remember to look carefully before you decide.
7:38
